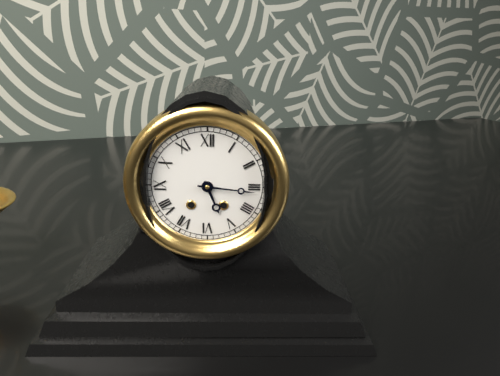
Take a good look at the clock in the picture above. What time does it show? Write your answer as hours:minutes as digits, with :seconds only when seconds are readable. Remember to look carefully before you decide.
5:16
